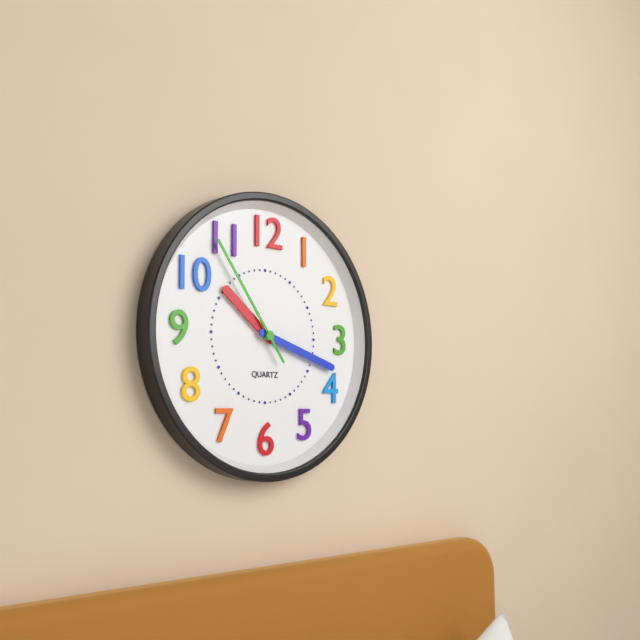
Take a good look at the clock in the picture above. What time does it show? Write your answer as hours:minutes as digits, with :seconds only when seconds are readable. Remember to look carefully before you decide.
10:18:54
